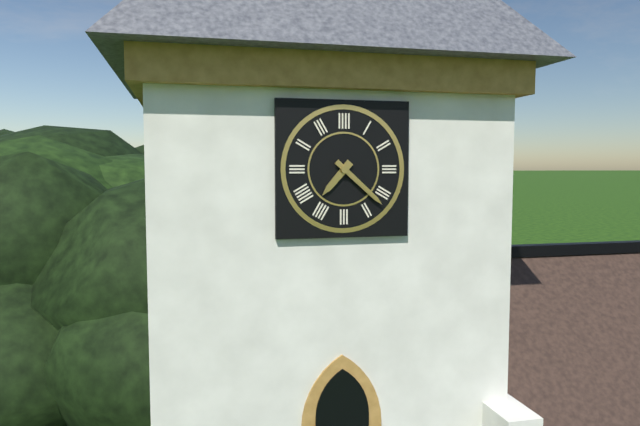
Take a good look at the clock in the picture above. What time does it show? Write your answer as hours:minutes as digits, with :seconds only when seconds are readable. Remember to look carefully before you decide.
7:22
